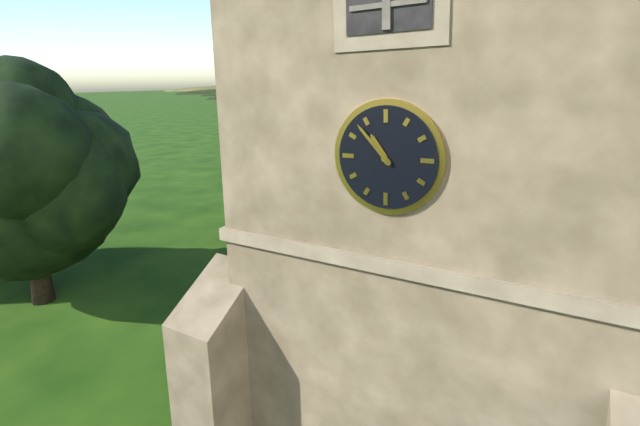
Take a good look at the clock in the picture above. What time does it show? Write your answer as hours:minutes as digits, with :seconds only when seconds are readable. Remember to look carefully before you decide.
10:53
